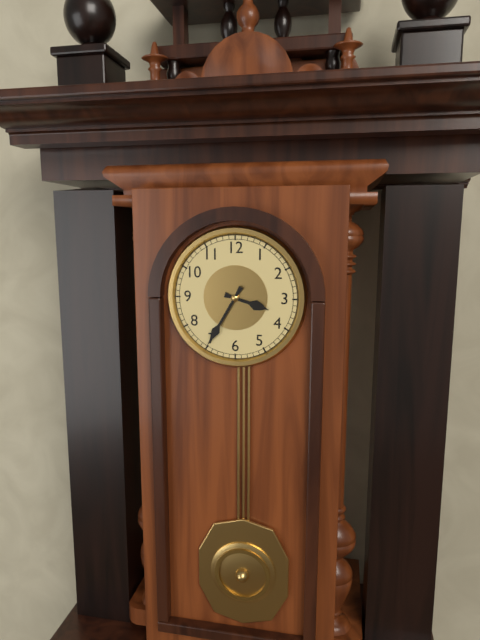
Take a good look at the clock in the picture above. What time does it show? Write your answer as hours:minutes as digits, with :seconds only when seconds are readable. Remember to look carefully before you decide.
3:35
